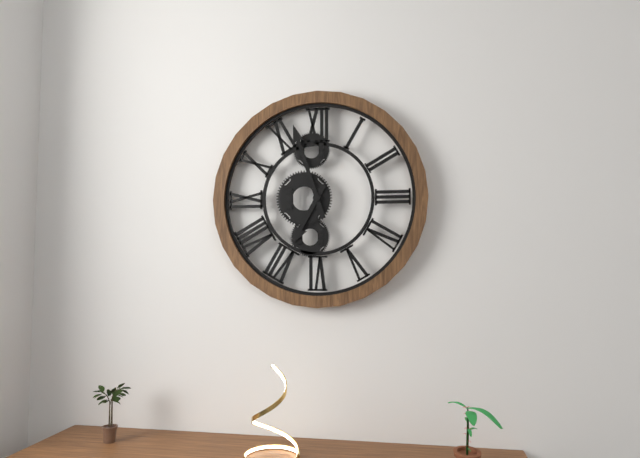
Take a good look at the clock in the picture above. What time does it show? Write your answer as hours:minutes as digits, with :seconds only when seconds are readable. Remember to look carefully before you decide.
6:57
